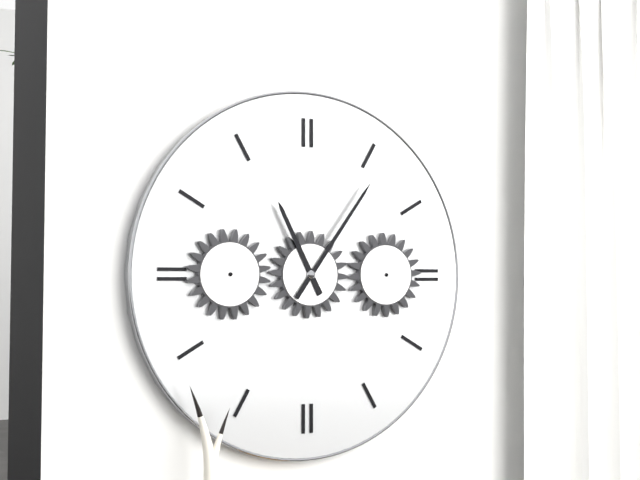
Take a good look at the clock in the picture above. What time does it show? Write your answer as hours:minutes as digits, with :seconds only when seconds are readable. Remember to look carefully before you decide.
11:06
